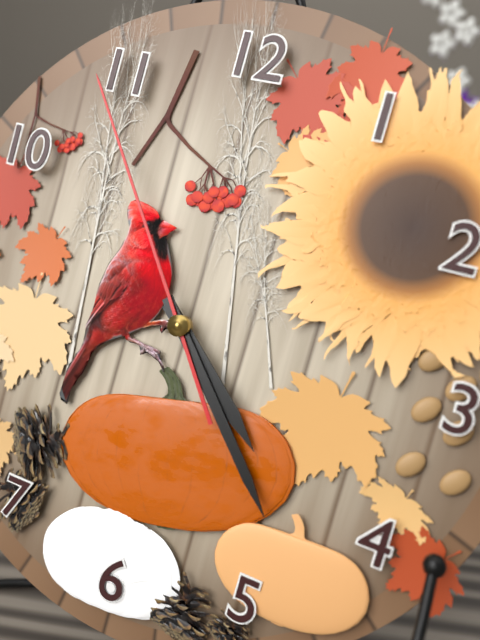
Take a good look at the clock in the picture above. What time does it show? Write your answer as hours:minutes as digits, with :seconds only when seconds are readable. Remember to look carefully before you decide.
4:23:54
